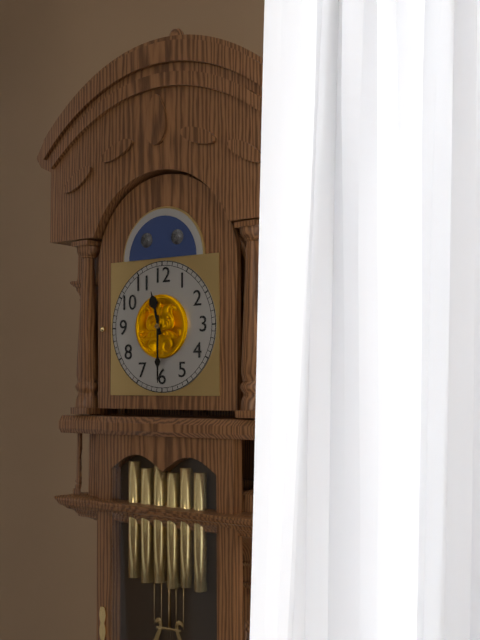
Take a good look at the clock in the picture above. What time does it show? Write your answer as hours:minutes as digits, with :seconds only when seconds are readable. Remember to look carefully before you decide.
11:30
